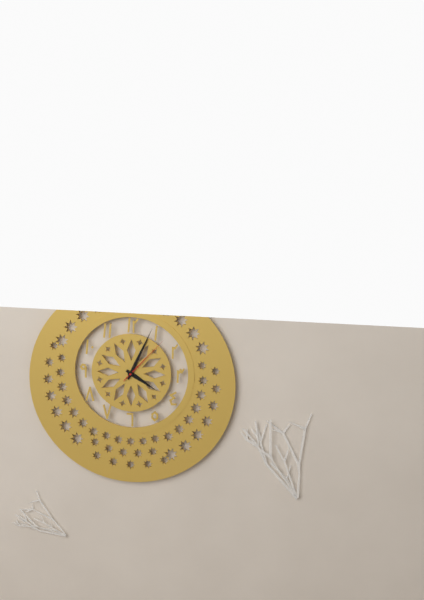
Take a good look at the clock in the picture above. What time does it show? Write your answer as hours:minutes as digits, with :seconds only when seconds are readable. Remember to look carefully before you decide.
4:04:07
